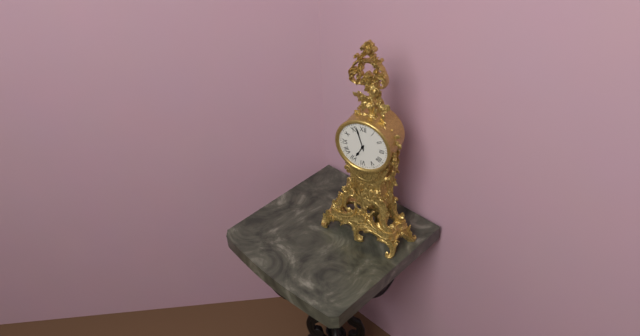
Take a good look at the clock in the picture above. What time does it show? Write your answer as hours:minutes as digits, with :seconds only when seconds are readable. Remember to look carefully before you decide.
6:57
